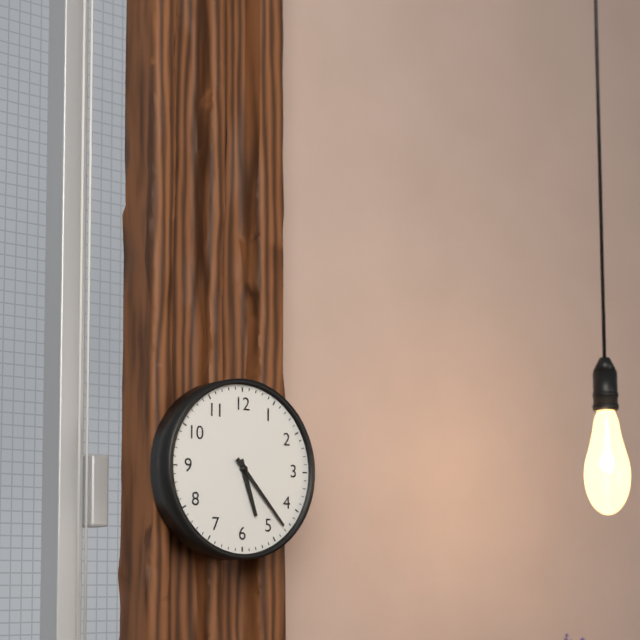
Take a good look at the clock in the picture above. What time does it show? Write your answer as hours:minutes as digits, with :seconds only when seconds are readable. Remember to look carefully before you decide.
5:23
